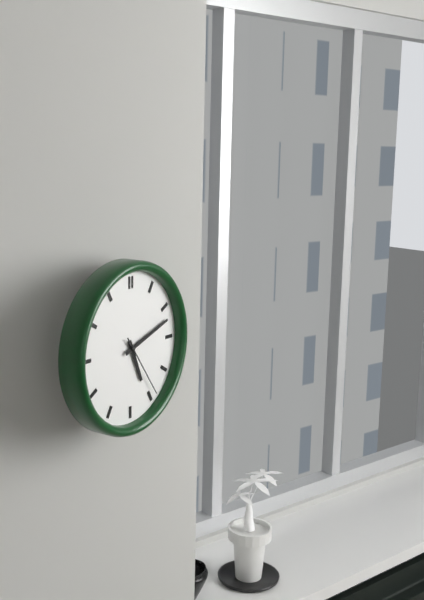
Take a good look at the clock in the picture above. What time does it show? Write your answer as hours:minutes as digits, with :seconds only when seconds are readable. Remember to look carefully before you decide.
5:12:24
